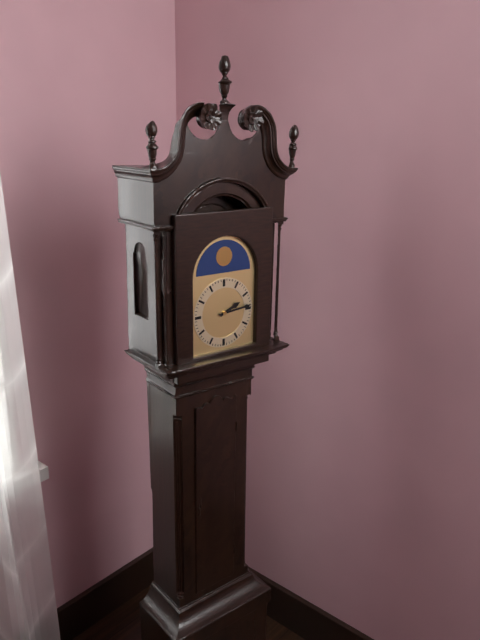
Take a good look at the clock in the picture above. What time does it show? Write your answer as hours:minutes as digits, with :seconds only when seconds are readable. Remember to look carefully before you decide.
2:14
